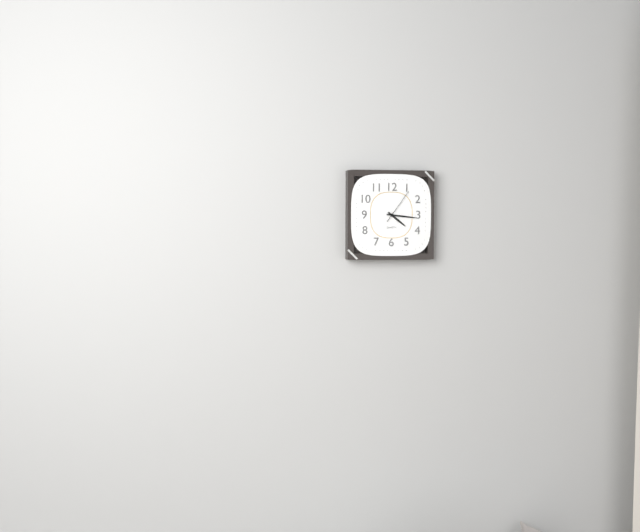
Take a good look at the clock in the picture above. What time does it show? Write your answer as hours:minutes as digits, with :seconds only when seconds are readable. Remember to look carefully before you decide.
4:16
